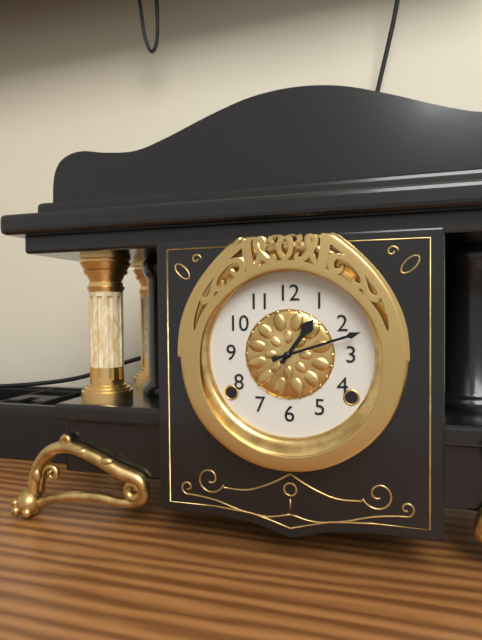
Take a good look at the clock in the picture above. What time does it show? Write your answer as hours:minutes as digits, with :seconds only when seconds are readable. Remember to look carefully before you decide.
1:12
